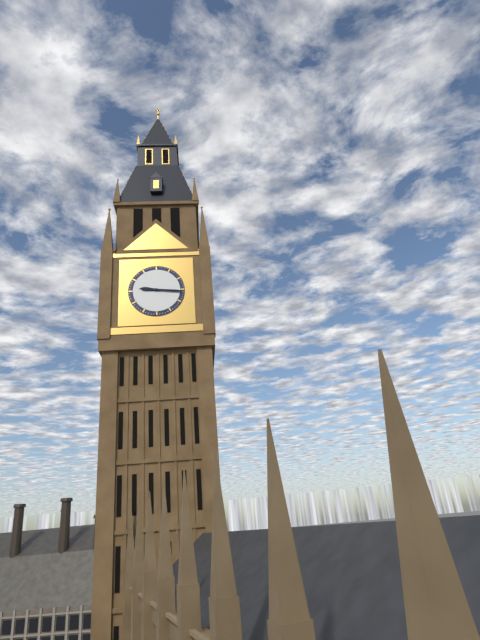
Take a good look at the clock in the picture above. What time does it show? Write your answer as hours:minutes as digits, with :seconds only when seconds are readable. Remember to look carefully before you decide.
9:16
